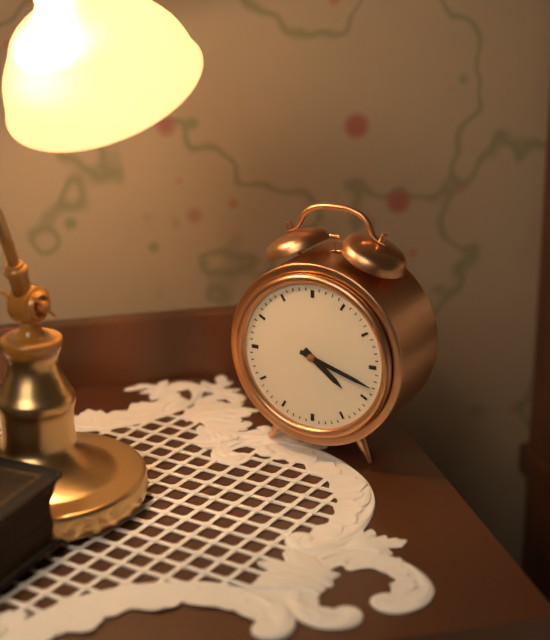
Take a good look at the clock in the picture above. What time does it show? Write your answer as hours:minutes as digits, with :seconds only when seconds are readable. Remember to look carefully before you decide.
4:18
